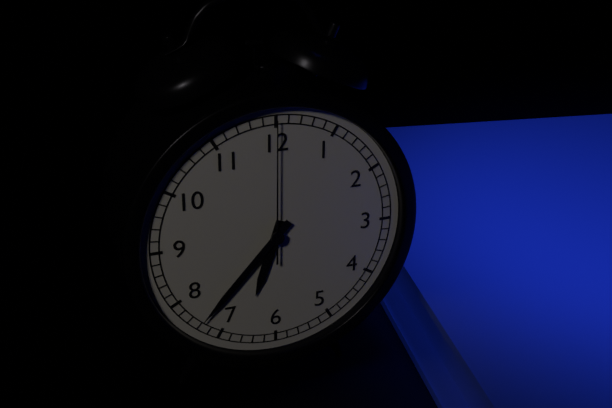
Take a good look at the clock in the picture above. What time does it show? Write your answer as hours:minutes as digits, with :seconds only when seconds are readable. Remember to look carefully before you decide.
6:37:00
